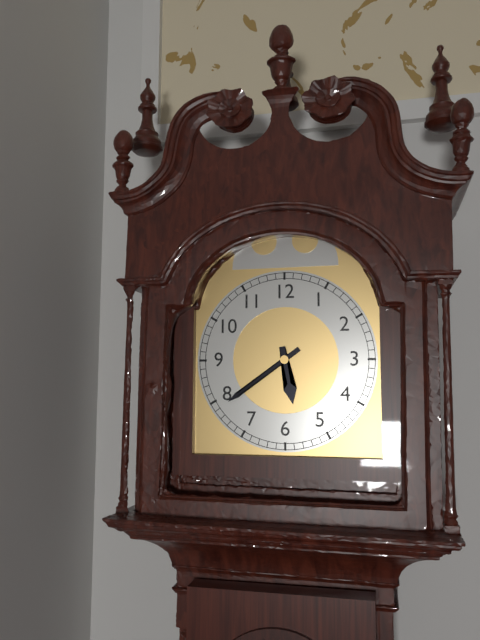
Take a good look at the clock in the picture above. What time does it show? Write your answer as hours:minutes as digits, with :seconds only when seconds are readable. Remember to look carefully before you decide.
5:39
